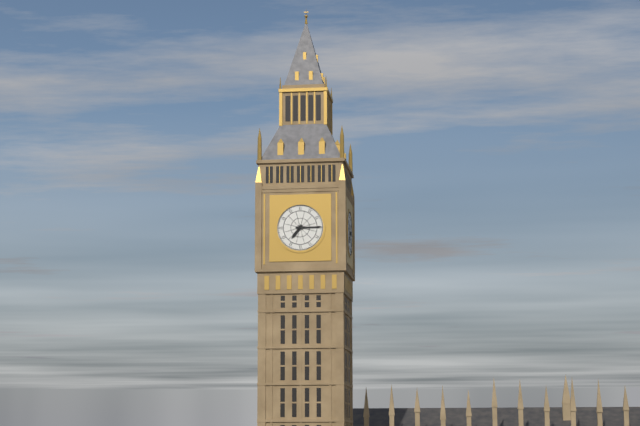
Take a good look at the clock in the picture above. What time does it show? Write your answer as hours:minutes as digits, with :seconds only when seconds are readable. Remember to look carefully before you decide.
7:15
